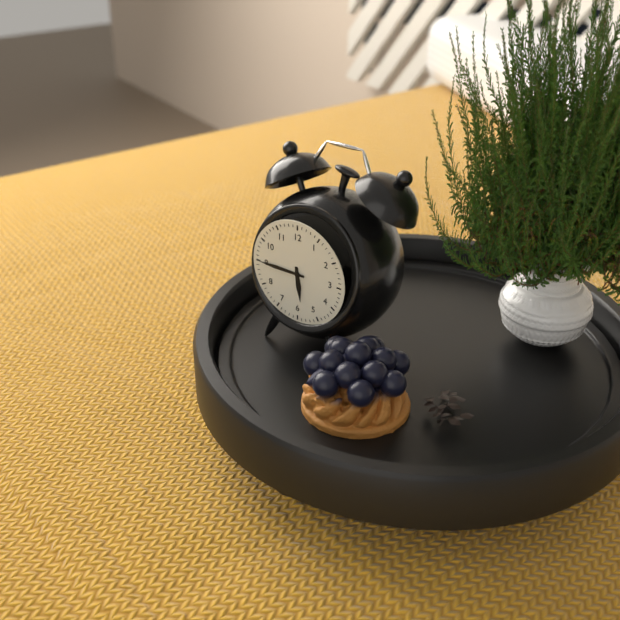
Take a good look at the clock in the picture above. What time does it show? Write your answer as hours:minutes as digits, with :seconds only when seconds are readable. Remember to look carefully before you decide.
5:45
